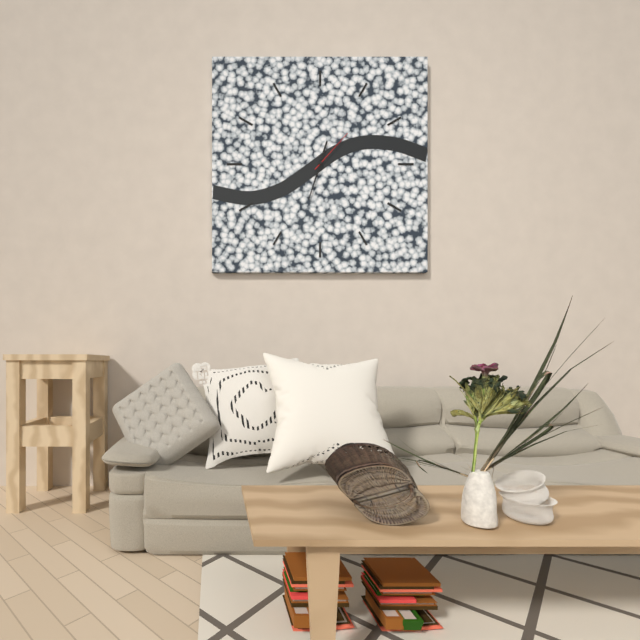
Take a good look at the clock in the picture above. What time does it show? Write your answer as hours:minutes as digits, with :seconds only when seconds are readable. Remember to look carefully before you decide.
12:33:07
